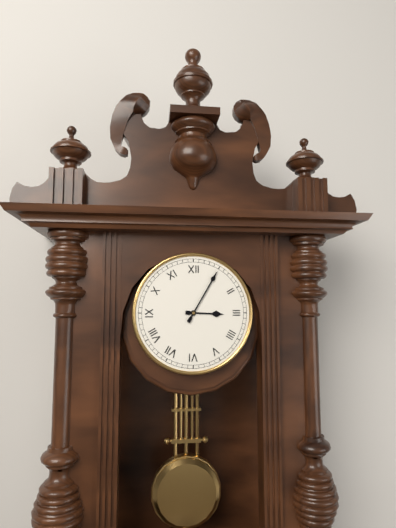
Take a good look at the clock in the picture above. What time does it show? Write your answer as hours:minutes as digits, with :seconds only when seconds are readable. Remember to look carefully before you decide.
3:05
